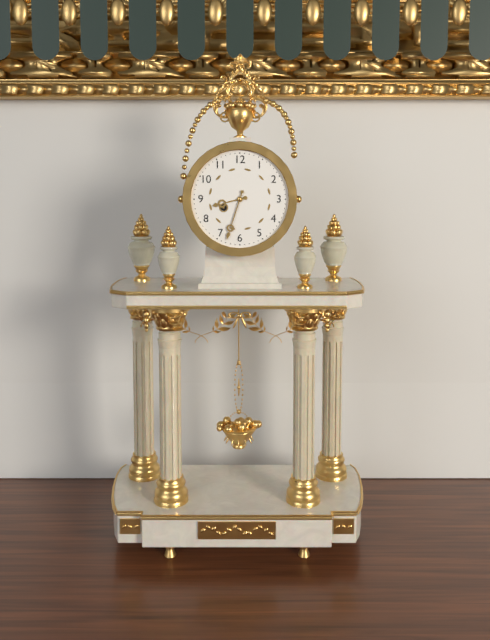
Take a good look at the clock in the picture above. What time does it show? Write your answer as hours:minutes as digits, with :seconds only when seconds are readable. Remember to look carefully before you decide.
8:33
